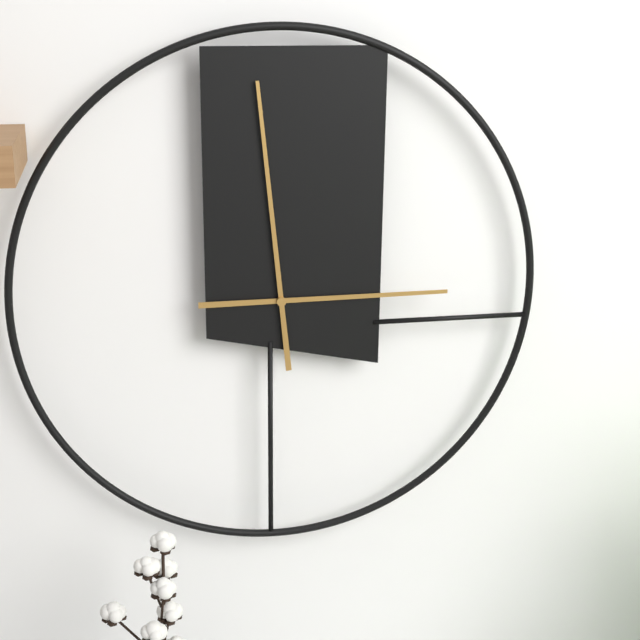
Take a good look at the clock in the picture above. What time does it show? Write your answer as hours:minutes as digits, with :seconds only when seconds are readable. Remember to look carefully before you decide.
2:59
